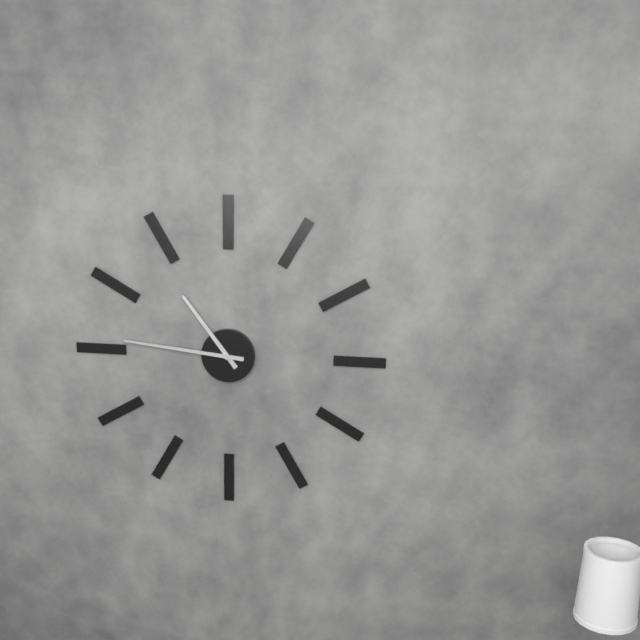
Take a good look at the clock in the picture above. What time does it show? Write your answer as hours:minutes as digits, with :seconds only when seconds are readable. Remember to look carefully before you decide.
10:46
